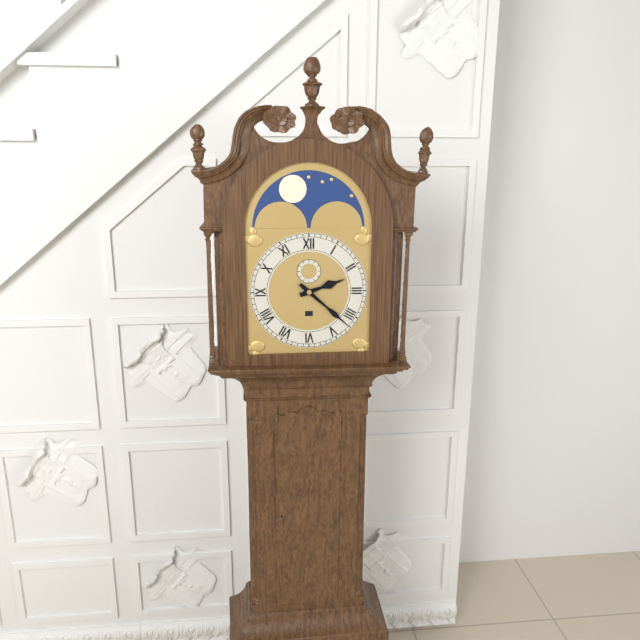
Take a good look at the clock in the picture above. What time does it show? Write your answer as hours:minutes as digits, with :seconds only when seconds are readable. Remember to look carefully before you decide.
2:22
